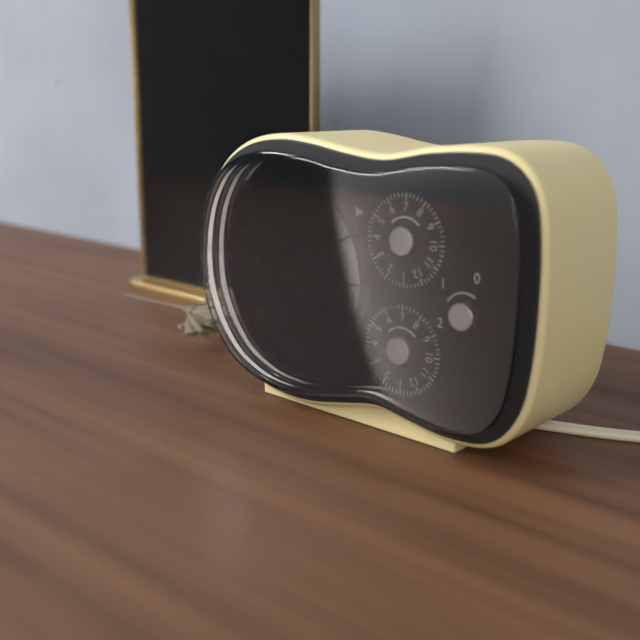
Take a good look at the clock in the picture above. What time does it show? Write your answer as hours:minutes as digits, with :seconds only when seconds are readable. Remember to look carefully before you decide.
3:52:30
